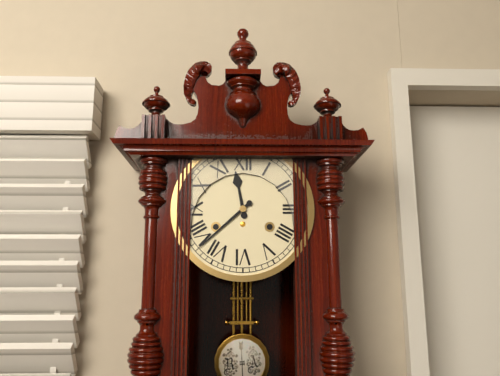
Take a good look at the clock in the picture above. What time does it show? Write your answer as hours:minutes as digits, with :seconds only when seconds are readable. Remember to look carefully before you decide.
11:38
